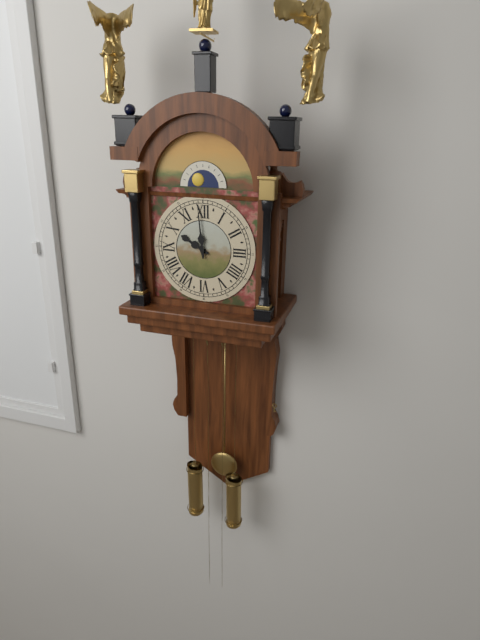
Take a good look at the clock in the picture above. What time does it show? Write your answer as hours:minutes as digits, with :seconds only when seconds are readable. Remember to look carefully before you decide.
9:59
